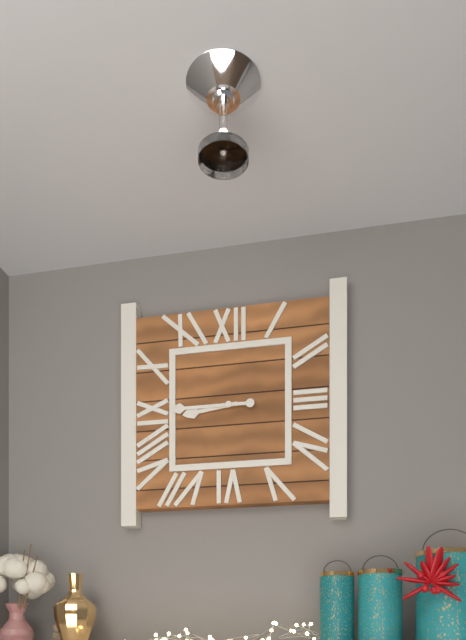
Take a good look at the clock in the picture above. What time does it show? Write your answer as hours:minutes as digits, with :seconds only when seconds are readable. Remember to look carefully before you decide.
8:45
